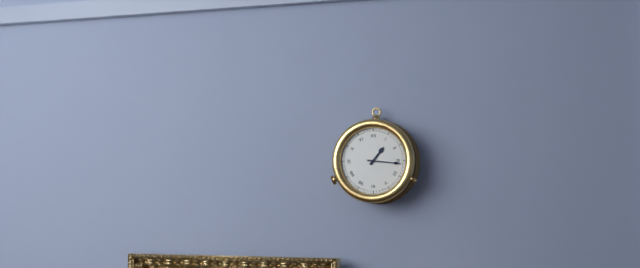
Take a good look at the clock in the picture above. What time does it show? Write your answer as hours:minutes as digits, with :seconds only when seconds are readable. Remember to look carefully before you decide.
1:16
